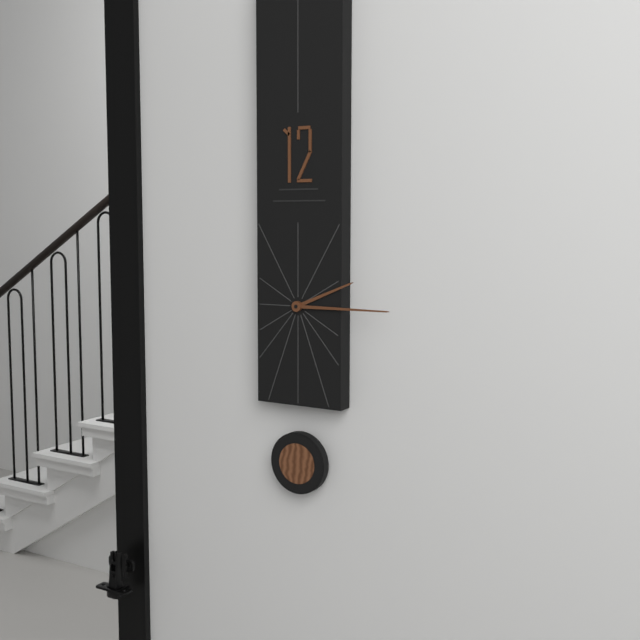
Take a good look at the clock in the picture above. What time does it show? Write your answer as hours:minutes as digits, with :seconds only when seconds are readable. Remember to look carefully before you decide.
2:15
